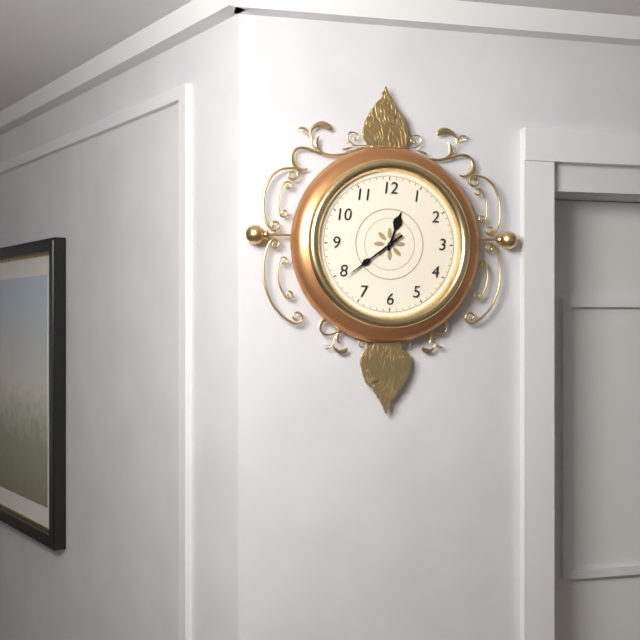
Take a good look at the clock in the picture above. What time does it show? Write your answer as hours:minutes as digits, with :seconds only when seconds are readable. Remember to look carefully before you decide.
12:39:39
